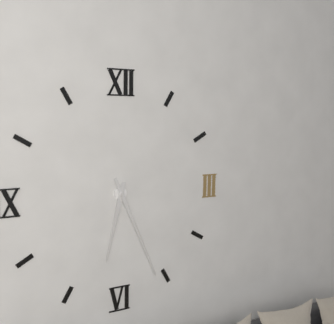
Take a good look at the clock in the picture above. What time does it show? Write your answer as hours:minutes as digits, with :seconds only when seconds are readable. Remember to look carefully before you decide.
6:26
